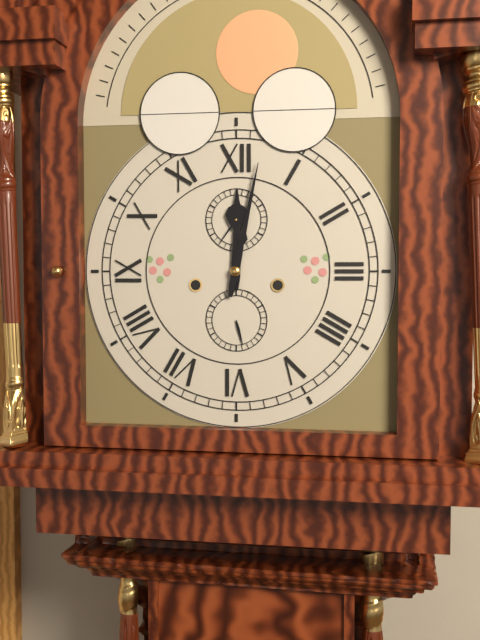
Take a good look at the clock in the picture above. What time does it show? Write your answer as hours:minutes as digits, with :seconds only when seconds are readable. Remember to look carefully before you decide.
12:02
